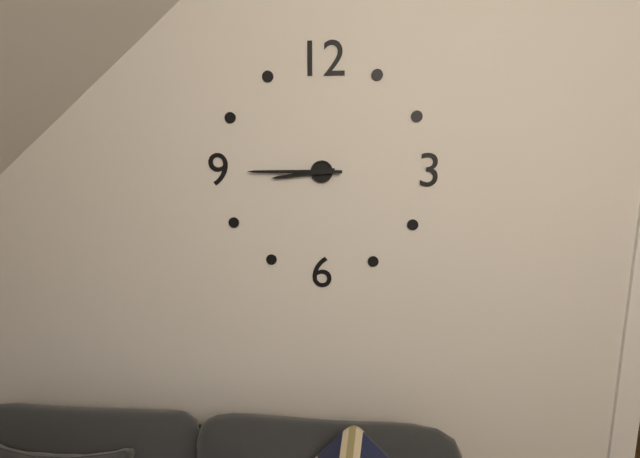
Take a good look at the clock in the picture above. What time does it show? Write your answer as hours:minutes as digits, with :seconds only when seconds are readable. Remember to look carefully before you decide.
8:45
